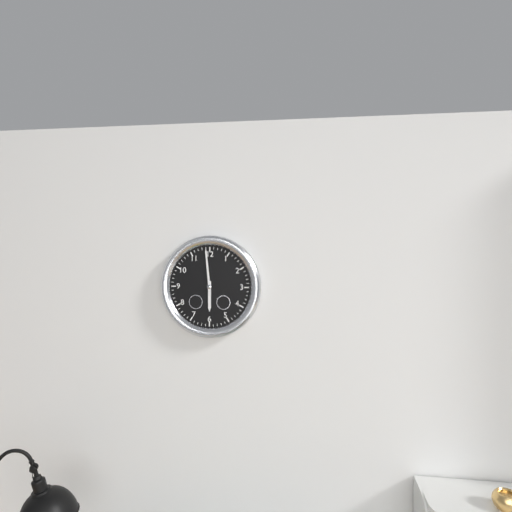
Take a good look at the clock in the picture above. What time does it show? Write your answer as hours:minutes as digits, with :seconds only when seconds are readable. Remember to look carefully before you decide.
5:59
